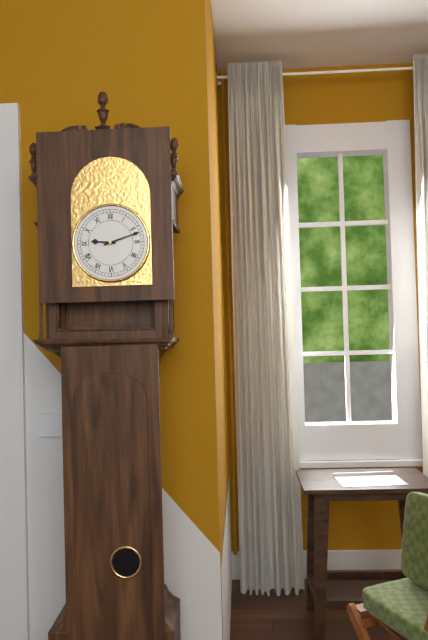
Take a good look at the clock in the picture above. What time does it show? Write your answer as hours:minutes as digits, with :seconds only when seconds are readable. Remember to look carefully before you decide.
9:12
